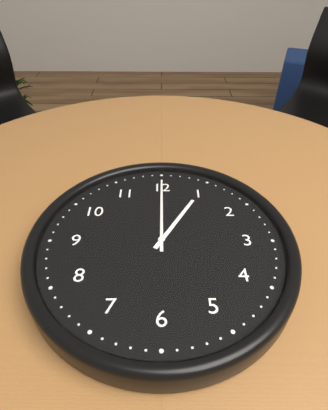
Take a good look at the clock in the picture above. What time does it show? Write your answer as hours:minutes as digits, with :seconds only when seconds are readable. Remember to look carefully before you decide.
1:00
